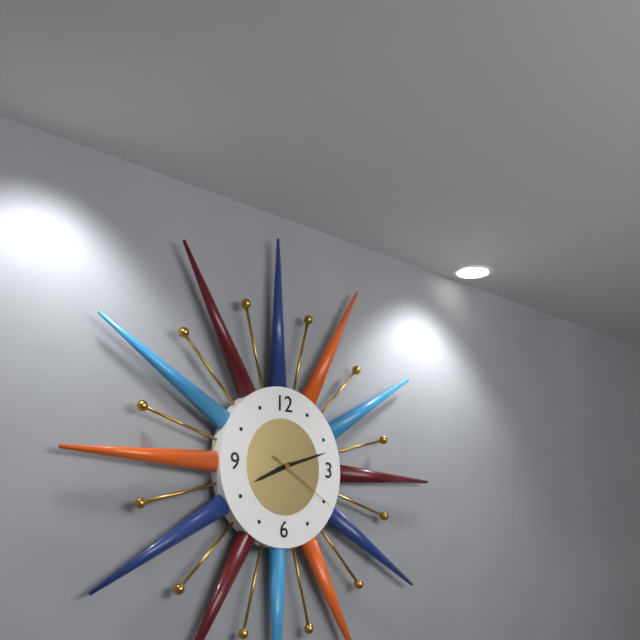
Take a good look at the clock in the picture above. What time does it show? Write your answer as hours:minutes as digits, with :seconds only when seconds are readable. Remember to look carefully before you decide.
8:12:20
